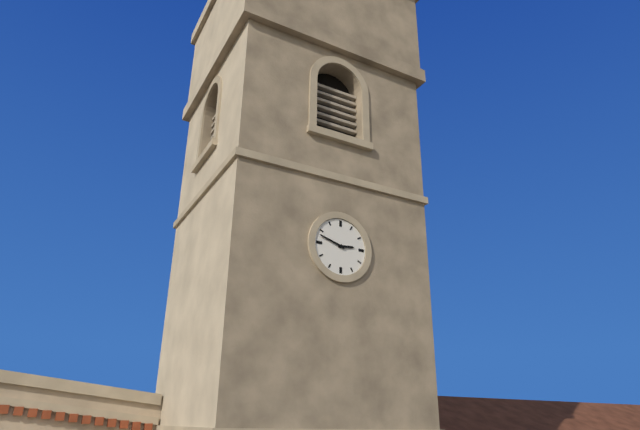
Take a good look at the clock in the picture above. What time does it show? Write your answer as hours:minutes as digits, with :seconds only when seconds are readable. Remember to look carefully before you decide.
2:48
